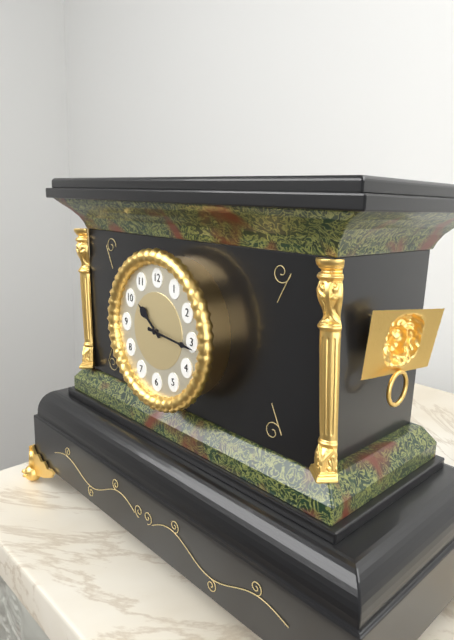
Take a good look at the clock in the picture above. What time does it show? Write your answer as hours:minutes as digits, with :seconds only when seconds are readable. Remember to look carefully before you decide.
10:16
